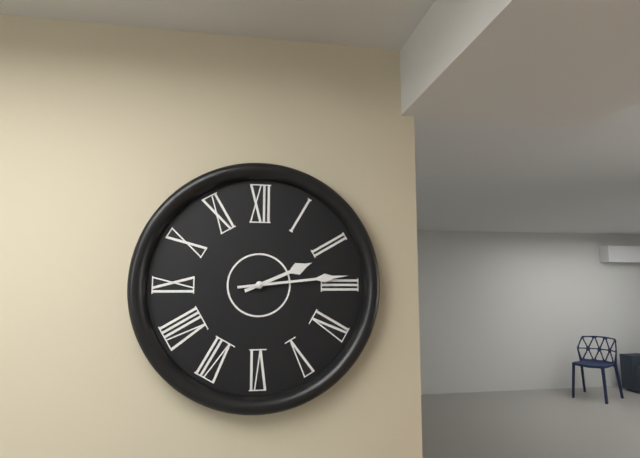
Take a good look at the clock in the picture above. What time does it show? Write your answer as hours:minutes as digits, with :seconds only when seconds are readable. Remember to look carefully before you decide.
2:14
